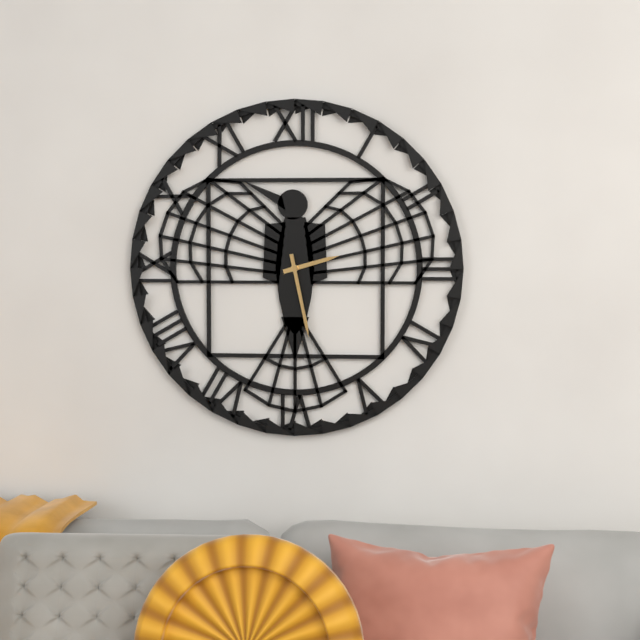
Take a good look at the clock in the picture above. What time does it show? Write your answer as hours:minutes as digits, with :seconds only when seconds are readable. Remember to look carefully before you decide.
2:28
